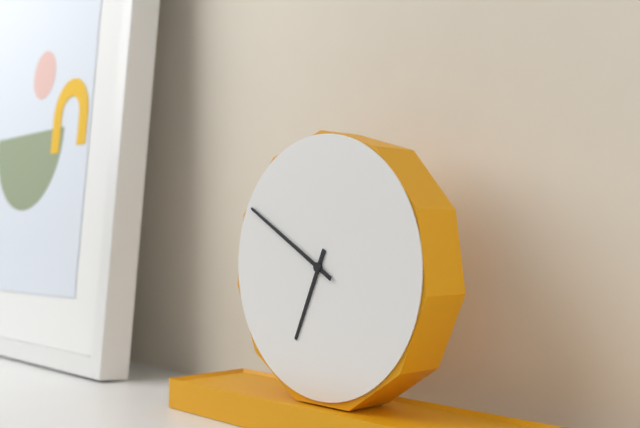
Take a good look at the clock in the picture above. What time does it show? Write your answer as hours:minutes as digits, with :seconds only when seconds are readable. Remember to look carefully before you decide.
6:50
